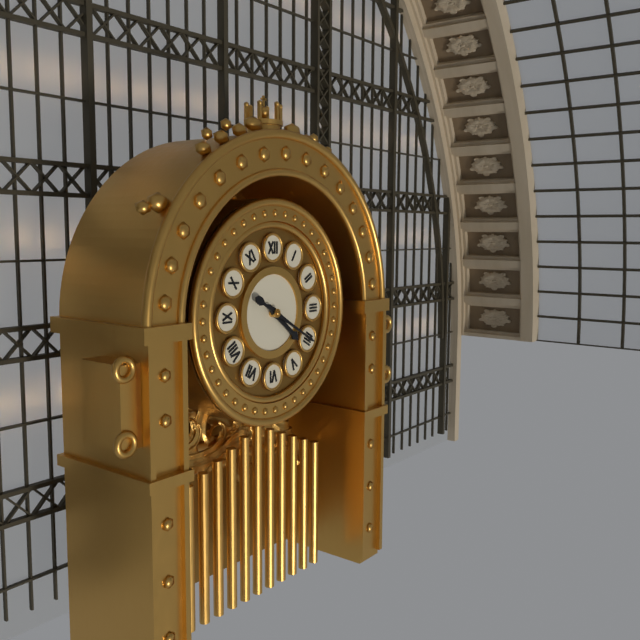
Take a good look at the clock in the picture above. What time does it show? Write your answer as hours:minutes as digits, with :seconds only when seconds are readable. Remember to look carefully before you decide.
4:20
